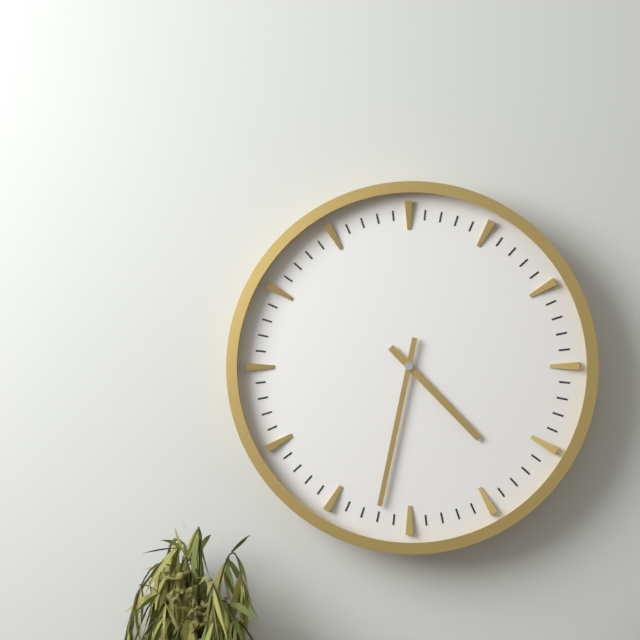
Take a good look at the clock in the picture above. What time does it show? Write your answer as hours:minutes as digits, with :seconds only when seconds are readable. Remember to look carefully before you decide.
4:32
